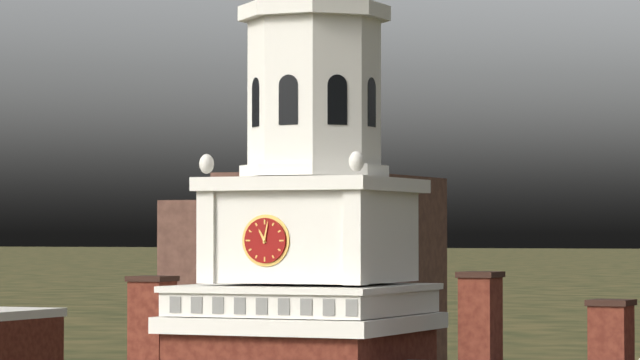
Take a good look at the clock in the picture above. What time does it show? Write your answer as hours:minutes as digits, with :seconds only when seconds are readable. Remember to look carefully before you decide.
11:02
